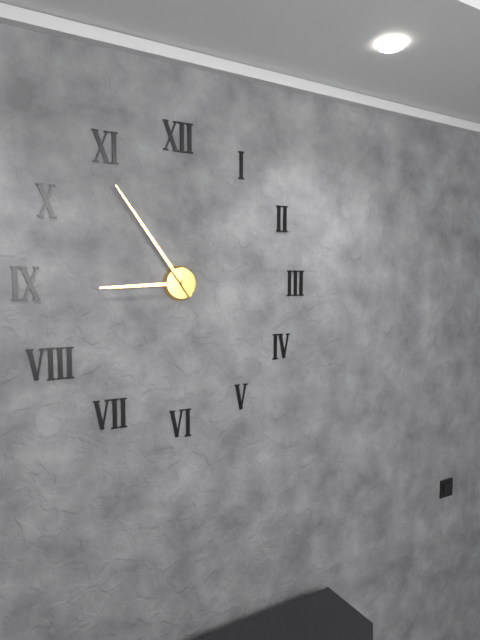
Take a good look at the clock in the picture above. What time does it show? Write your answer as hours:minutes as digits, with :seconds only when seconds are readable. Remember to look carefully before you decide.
8:54
